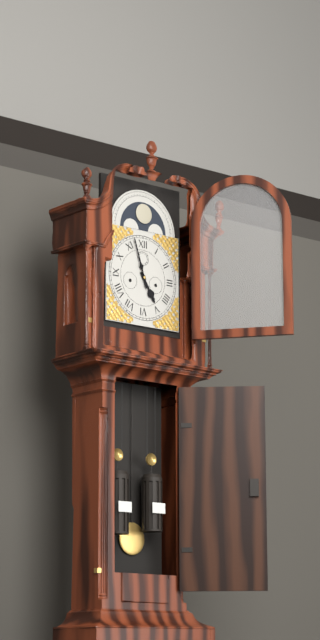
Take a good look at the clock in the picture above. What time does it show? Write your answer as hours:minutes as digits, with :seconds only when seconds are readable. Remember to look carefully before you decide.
4:57
